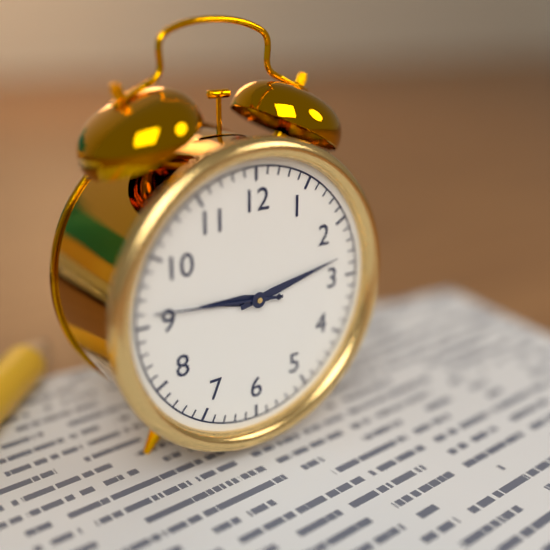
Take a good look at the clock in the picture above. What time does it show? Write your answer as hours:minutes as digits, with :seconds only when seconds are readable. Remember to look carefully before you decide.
9:13:46
